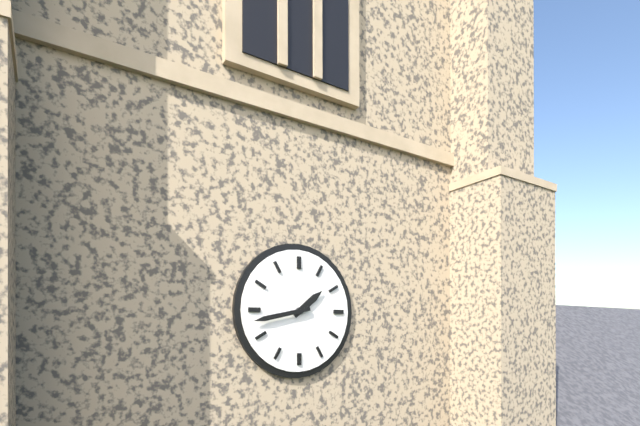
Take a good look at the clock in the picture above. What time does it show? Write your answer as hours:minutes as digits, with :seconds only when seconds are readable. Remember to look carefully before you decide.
1:43
